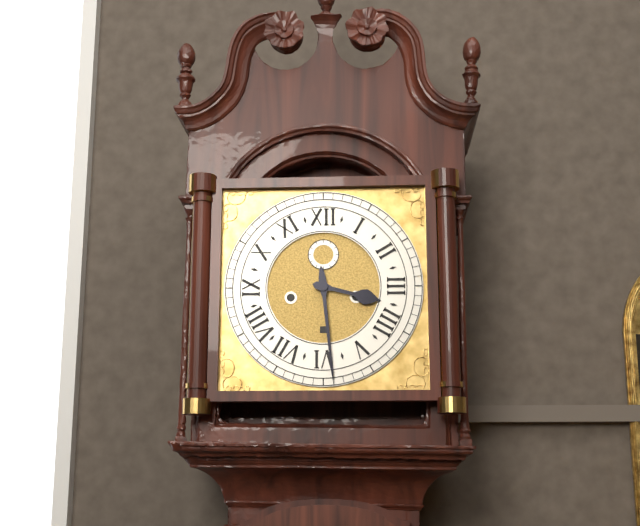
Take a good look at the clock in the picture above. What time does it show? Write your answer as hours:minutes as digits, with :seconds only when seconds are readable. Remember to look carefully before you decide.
3:29
